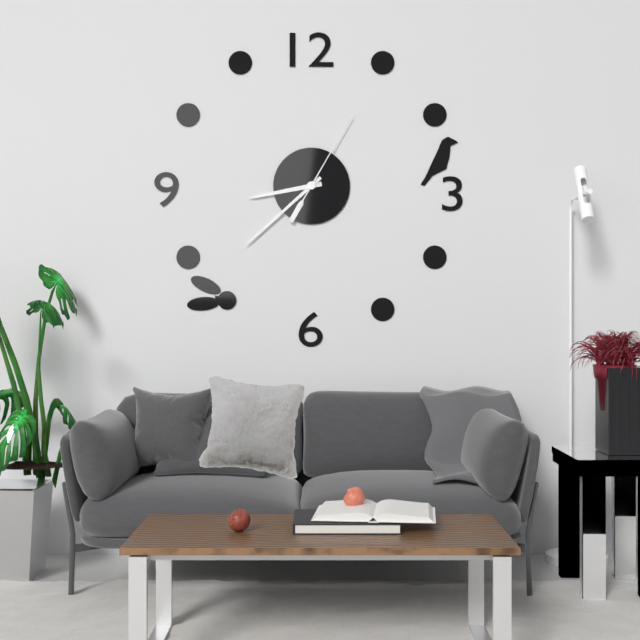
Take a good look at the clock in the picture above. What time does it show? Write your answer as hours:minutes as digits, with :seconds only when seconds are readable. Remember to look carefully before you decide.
8:38:05
